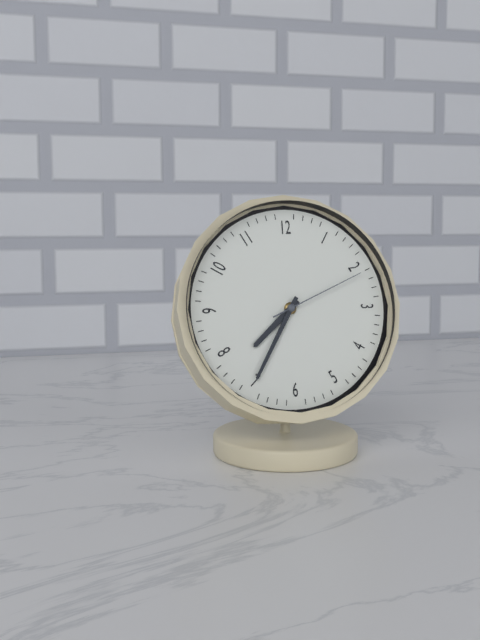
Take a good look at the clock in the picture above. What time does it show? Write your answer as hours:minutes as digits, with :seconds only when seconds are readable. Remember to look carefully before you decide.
7:35:11
